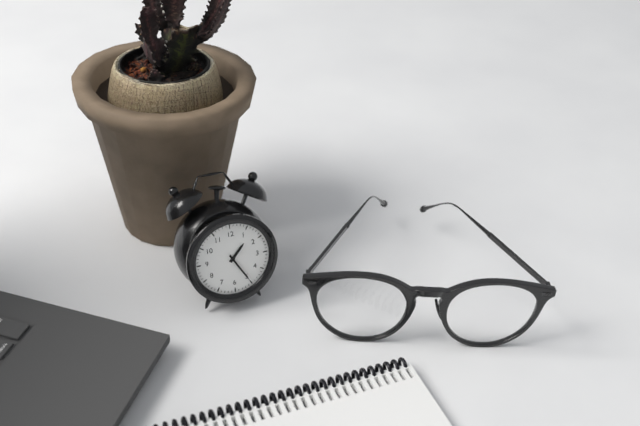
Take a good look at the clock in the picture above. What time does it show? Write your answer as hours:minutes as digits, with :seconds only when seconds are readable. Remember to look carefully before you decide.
1:25
